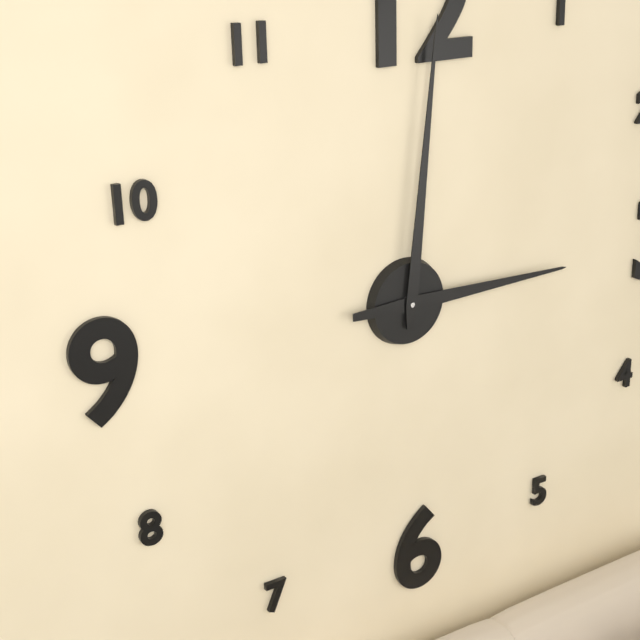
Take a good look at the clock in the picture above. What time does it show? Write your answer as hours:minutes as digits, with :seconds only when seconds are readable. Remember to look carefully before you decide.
3:01
